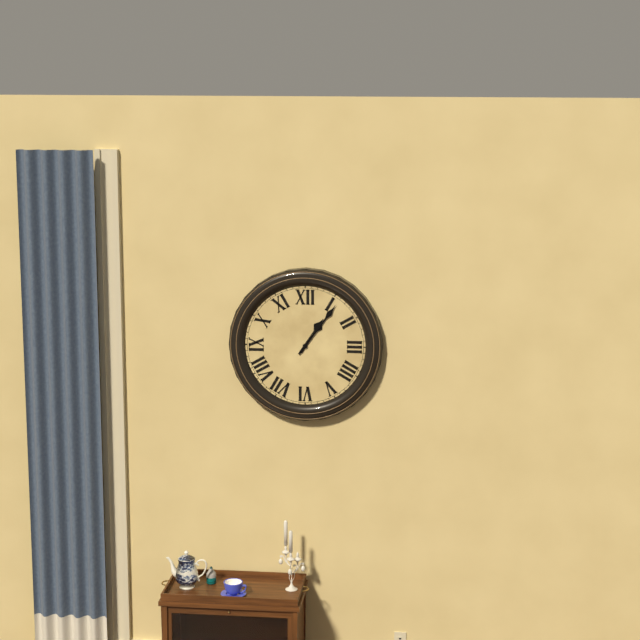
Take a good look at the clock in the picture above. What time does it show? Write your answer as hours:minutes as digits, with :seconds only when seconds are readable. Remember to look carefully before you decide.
1:06
